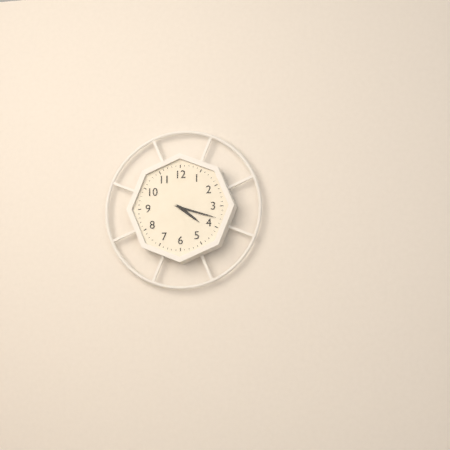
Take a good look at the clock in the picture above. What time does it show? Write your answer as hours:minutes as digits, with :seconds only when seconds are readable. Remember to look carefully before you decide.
4:18
